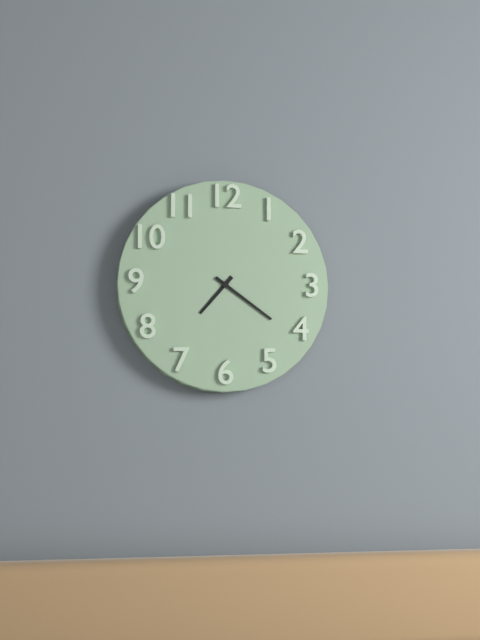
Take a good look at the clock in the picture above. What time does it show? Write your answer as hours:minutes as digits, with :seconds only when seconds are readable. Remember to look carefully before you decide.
7:21
